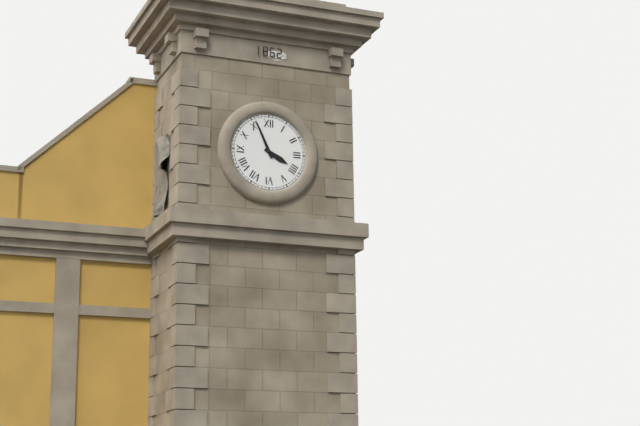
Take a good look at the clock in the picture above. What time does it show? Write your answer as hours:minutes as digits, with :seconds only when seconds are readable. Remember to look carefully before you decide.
3:56
